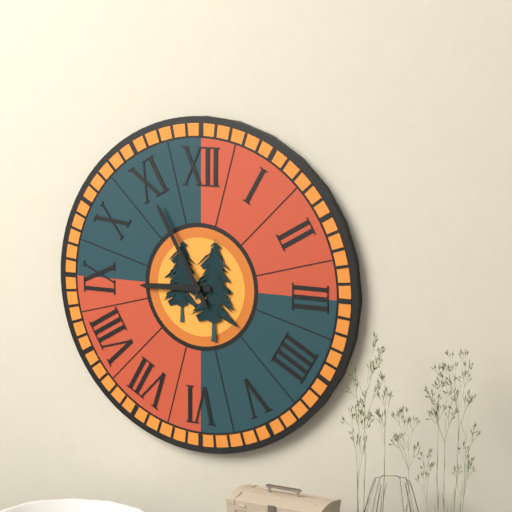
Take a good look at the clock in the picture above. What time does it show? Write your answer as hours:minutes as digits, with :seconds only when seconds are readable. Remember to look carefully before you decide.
8:55
